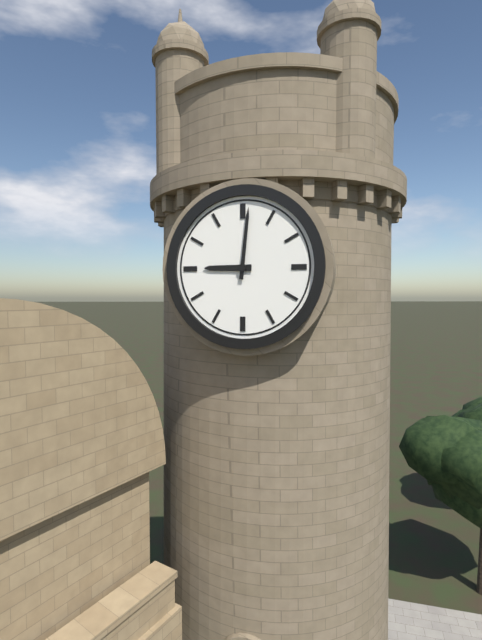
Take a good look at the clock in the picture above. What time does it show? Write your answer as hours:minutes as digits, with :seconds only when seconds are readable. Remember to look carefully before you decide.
9:01
